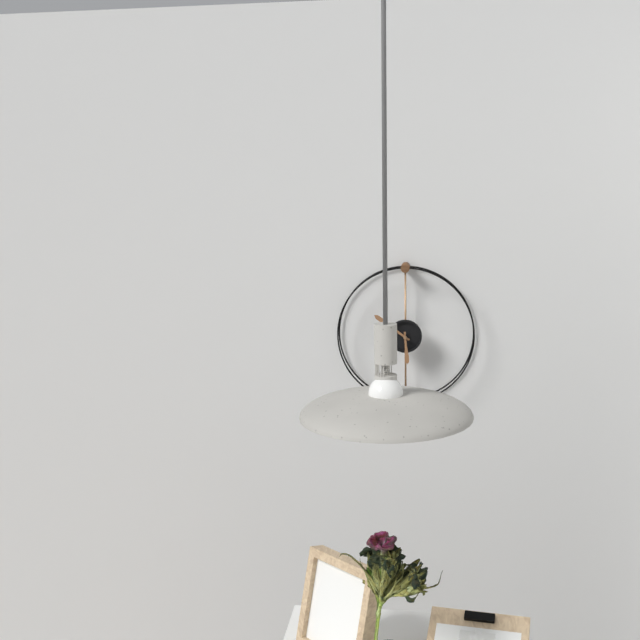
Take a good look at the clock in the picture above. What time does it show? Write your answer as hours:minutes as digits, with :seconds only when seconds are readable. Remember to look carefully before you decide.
5:51
